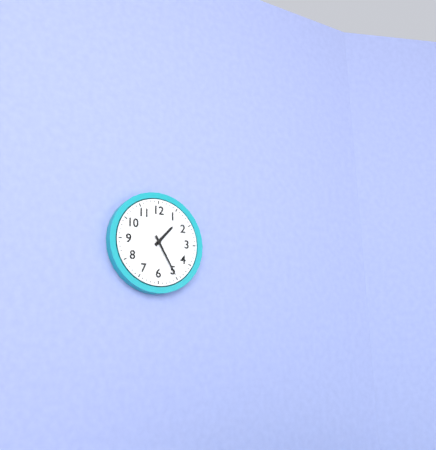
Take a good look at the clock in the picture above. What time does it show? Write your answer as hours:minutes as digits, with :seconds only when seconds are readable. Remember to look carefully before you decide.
1:25
